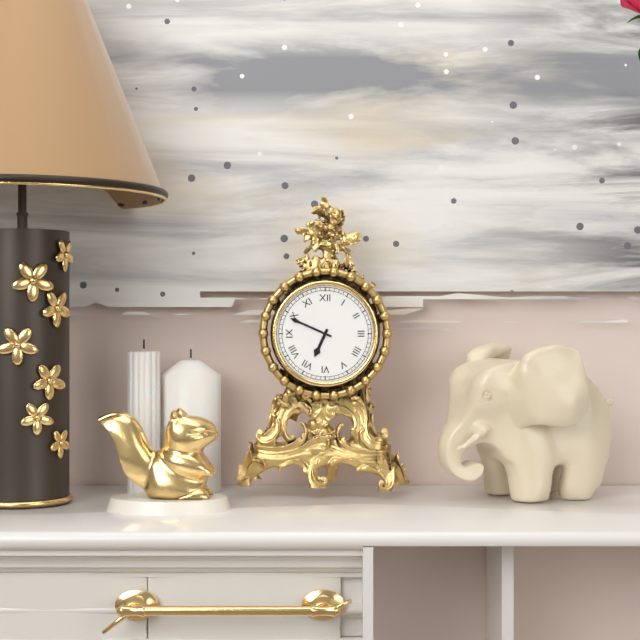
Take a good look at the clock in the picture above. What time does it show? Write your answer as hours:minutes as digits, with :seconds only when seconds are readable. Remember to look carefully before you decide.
6:49
